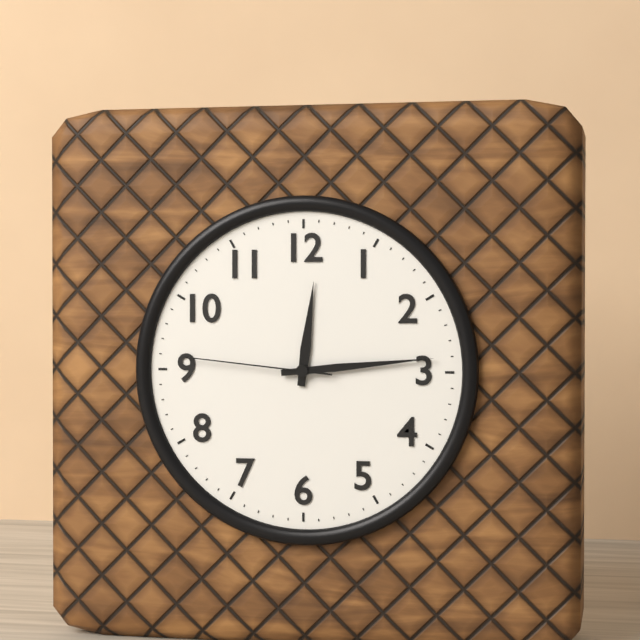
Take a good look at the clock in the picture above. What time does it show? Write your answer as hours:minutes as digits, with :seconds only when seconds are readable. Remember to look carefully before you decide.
12:14:46
